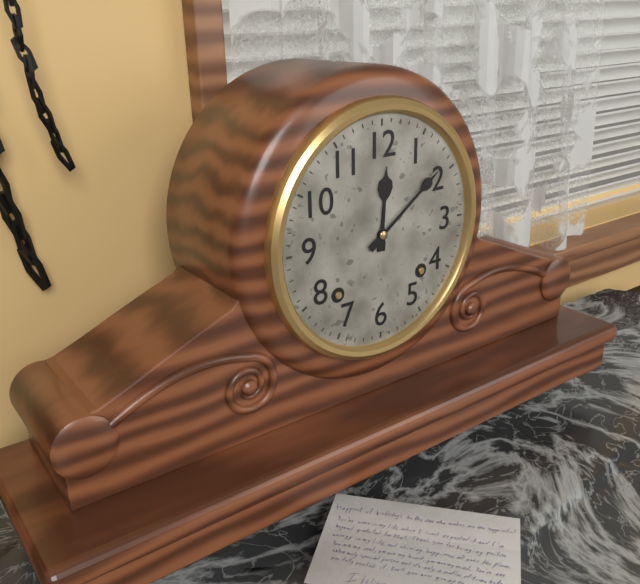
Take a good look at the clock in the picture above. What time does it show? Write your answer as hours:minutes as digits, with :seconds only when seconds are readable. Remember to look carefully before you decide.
12:09
